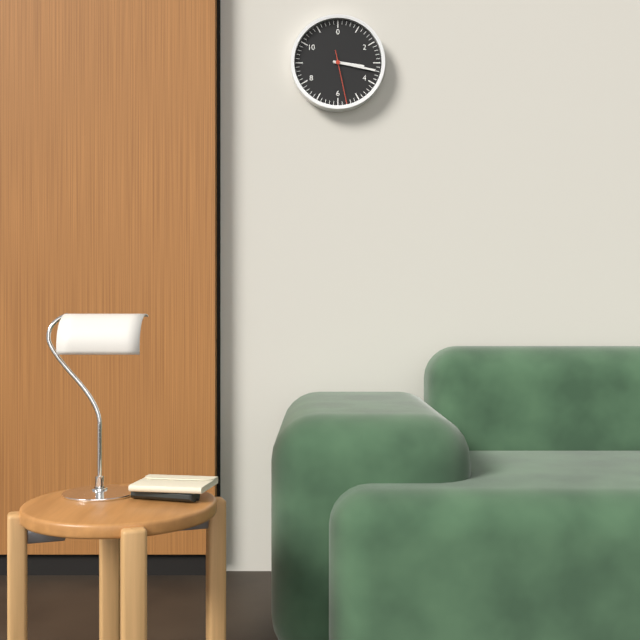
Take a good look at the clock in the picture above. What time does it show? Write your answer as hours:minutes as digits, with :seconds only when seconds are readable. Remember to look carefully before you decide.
3:17:28
